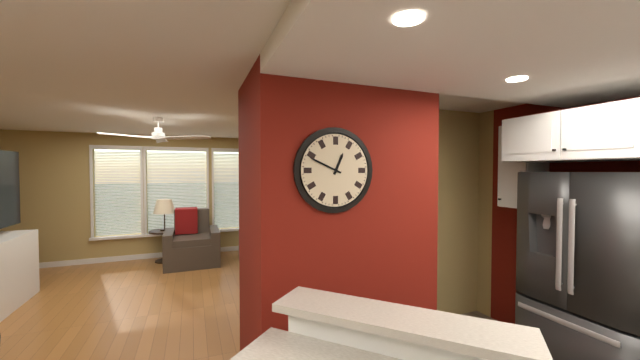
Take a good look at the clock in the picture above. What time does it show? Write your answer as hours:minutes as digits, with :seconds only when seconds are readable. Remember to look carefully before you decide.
12:49
